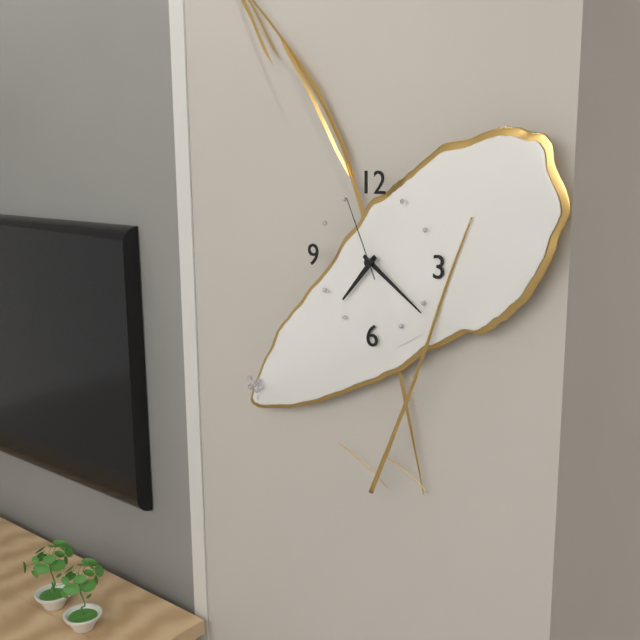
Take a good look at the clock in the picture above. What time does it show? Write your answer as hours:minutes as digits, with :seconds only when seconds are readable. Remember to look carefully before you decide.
7:21:56
